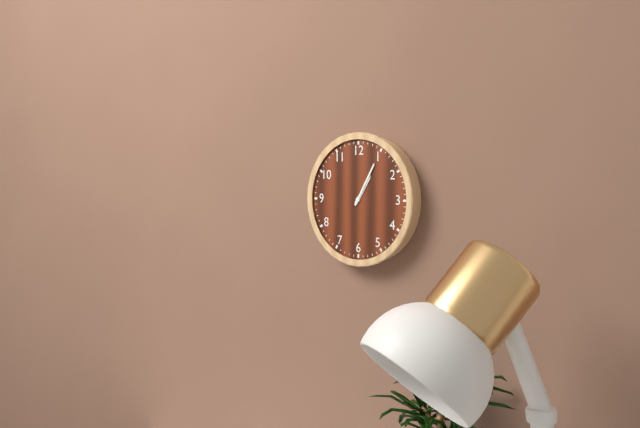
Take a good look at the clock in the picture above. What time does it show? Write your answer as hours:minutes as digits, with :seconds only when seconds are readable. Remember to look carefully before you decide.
1:05
